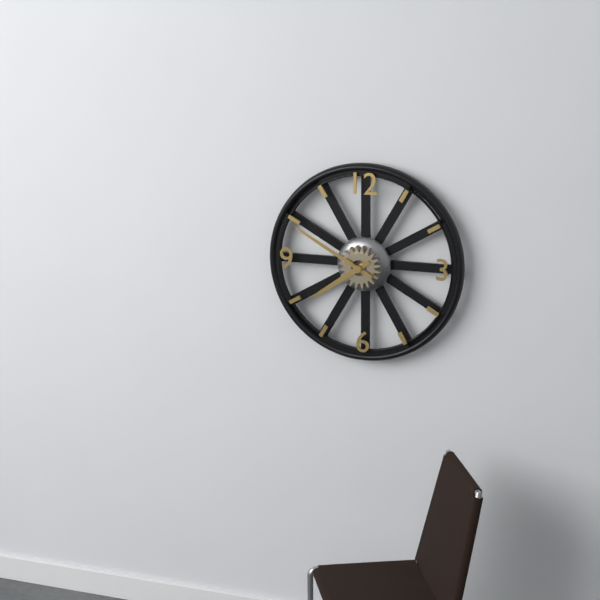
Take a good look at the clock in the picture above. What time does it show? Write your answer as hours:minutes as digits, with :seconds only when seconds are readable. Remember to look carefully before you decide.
7:50
